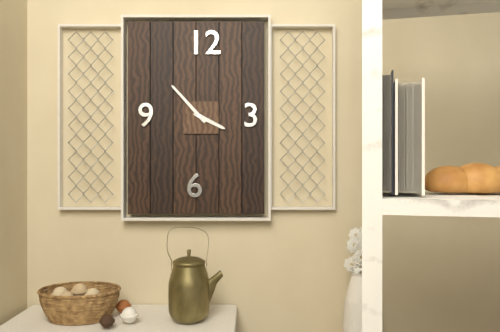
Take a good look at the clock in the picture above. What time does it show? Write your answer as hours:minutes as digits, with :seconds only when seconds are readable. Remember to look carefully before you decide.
3:53
